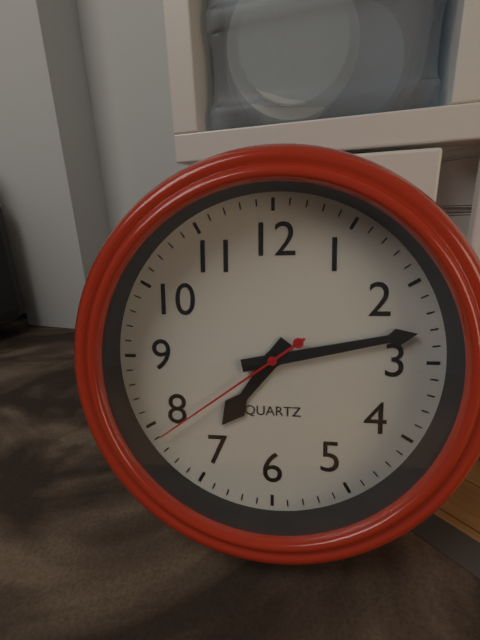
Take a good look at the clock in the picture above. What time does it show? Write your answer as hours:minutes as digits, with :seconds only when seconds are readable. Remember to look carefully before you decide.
7:13:39
